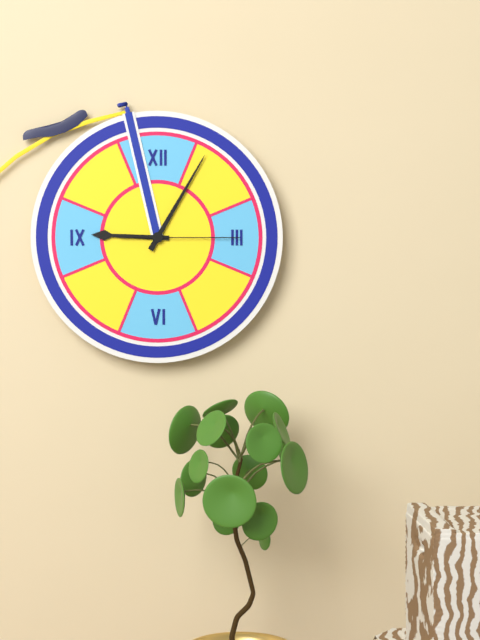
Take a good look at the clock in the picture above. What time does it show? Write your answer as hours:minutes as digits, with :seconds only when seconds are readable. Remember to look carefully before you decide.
9:05:15
